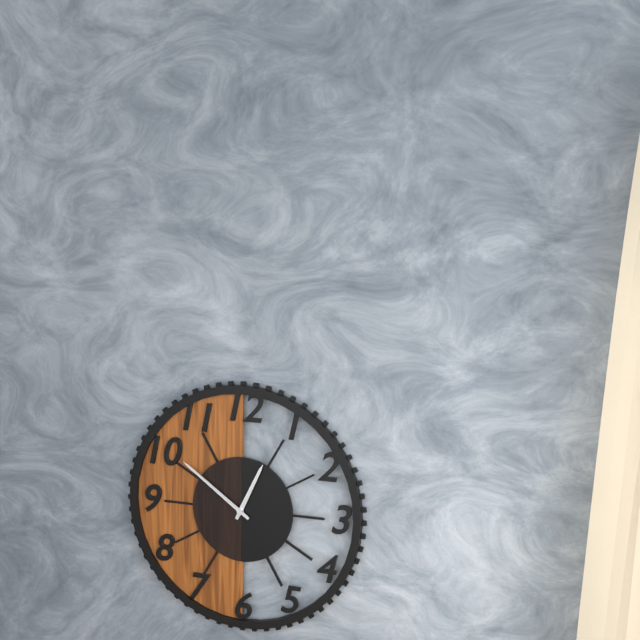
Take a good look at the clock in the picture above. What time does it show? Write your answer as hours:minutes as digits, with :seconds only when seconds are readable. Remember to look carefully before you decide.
12:51
